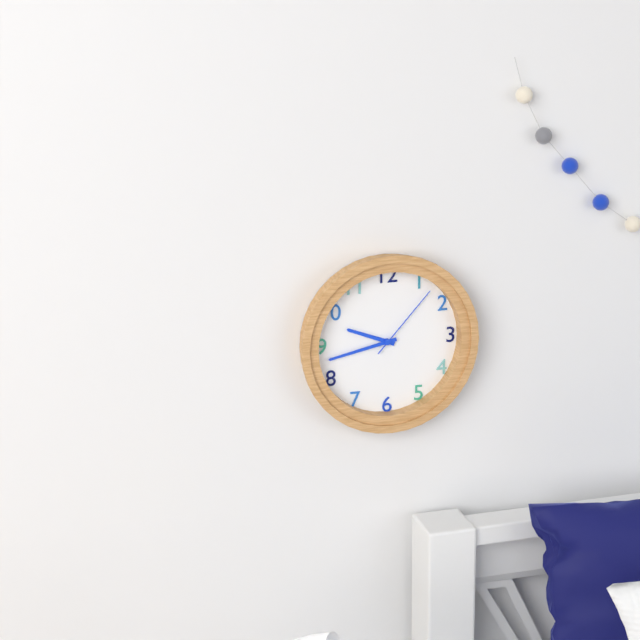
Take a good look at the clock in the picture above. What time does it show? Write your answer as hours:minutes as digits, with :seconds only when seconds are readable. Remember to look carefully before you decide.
9:43:07
